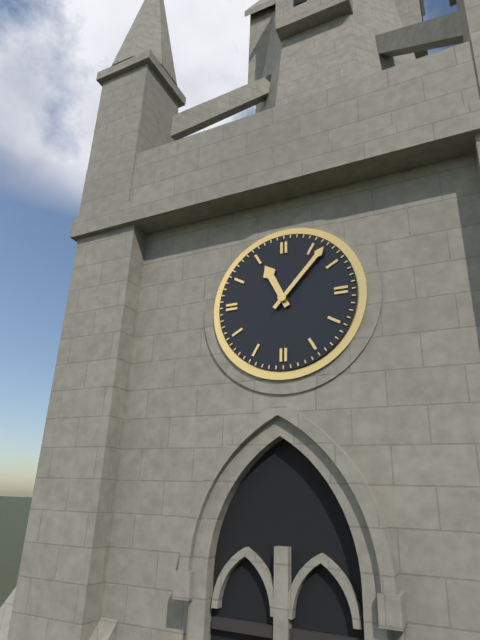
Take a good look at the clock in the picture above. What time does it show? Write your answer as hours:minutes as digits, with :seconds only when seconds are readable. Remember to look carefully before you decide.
11:07
